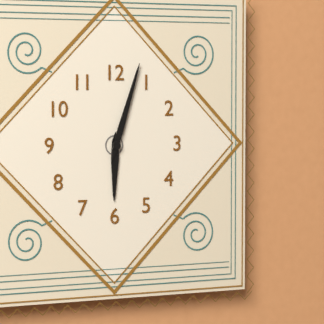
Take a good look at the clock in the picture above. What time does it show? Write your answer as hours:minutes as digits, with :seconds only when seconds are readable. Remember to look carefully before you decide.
6:03
